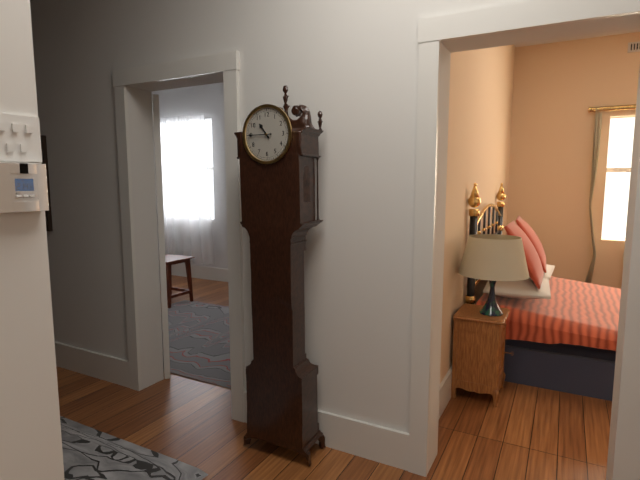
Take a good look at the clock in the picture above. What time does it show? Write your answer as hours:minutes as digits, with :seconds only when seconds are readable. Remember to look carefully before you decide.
10:45
